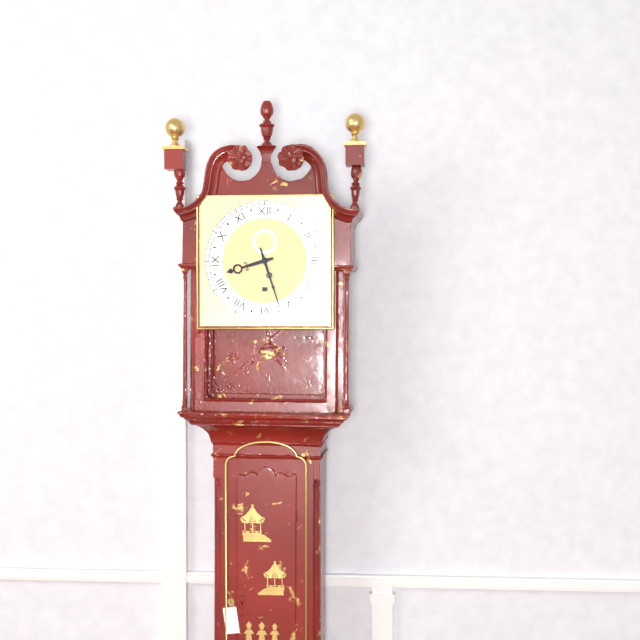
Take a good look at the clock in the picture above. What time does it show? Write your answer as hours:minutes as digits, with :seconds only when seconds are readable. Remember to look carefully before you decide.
8:27
